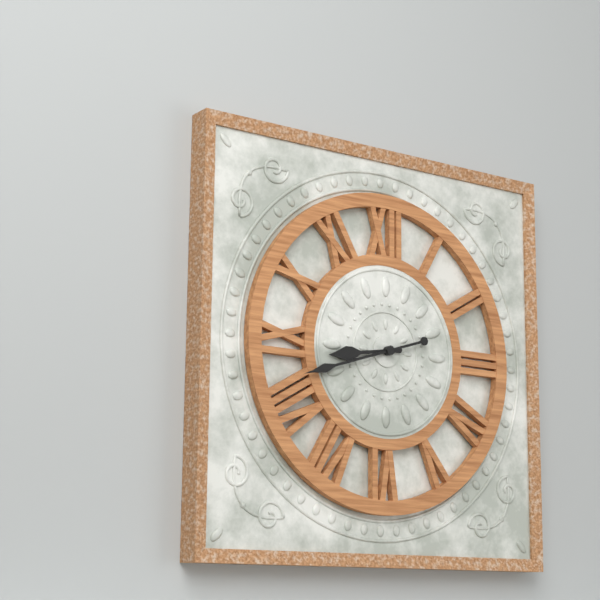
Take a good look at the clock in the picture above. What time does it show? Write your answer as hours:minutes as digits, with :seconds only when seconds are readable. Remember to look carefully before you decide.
8:42
